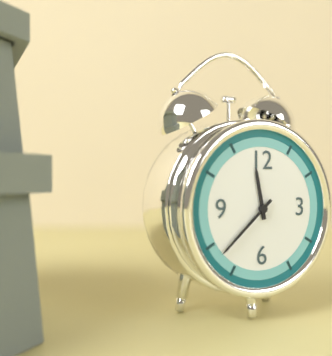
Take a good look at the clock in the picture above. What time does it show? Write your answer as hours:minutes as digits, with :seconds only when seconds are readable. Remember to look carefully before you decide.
11:38
